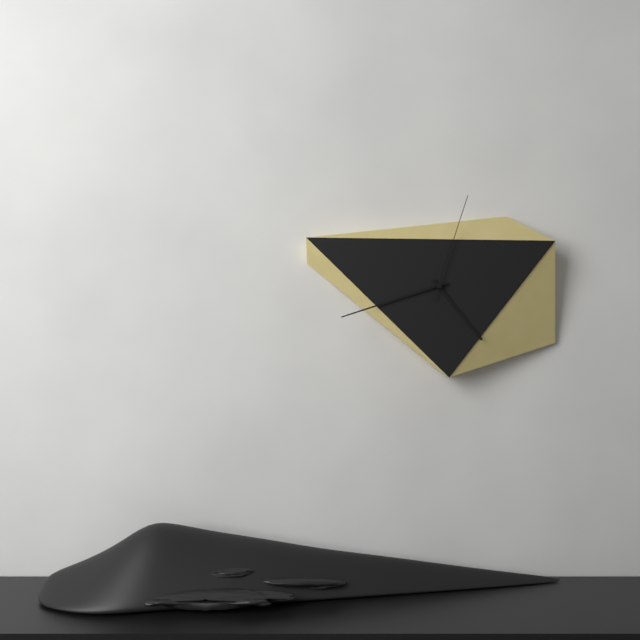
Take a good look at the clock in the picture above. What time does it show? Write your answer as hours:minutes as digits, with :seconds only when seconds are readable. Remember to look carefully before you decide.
4:42:03
